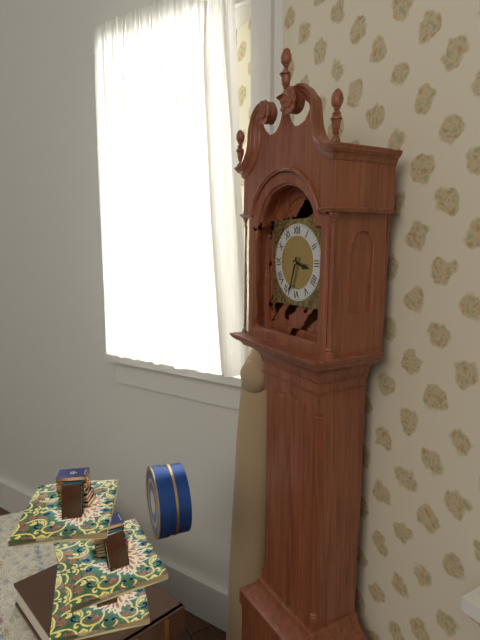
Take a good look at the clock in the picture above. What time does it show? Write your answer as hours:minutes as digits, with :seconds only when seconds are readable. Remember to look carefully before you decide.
3:33
